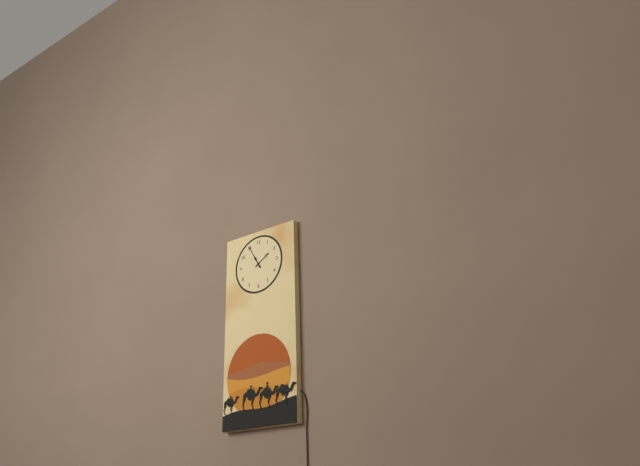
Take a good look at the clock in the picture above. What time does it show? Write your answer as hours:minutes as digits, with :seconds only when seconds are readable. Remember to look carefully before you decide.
1:55
